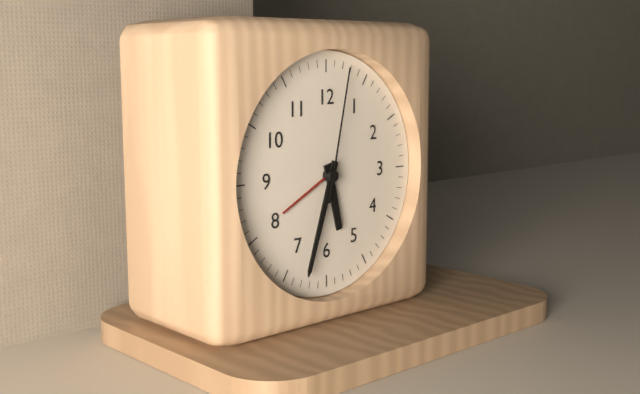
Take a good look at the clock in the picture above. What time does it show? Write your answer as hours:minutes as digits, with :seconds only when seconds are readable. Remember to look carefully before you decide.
5:33:02
